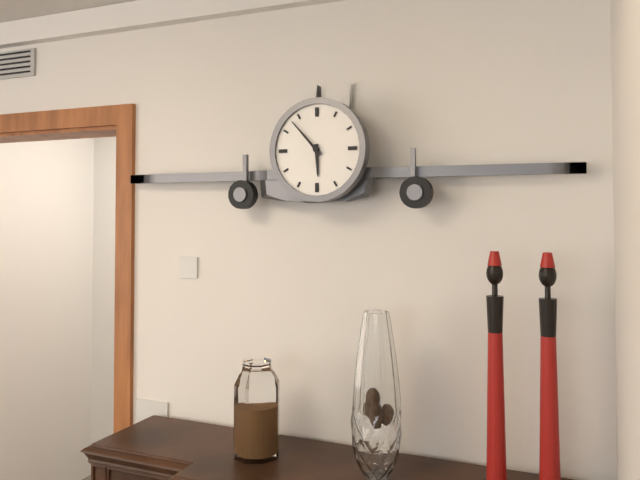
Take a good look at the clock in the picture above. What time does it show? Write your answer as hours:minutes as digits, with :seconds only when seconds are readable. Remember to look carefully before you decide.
5:53
